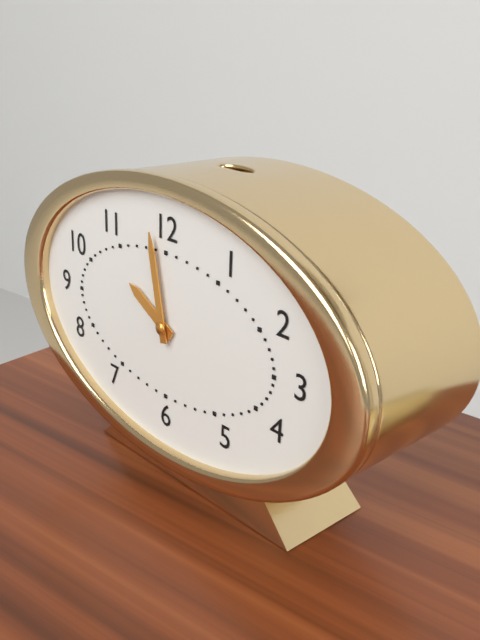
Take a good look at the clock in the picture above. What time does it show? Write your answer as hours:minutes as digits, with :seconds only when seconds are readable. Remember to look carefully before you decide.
9:58
